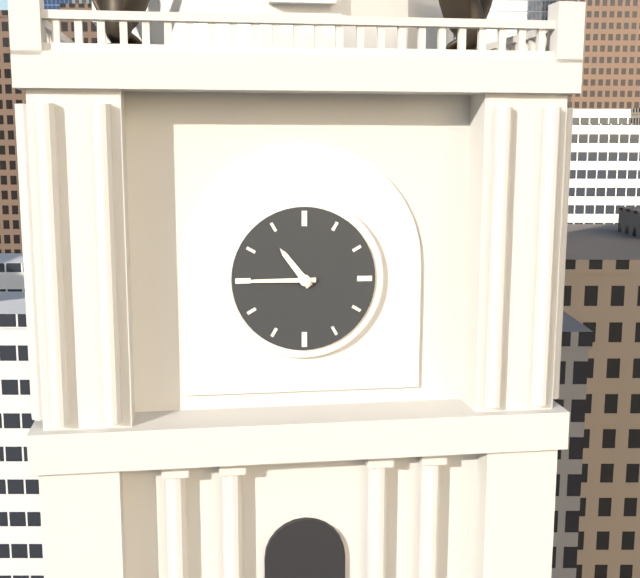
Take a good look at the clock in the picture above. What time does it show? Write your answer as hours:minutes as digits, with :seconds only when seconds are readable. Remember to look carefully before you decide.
10:45
